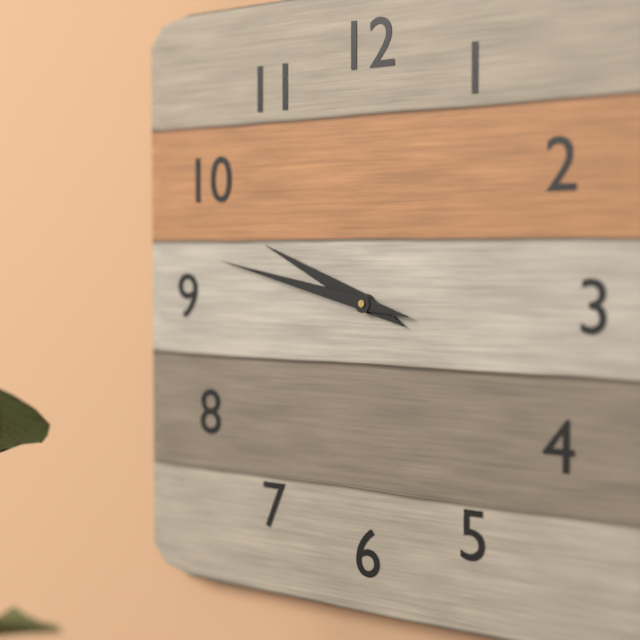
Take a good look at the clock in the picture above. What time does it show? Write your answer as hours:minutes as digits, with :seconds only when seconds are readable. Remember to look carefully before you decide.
9:47
